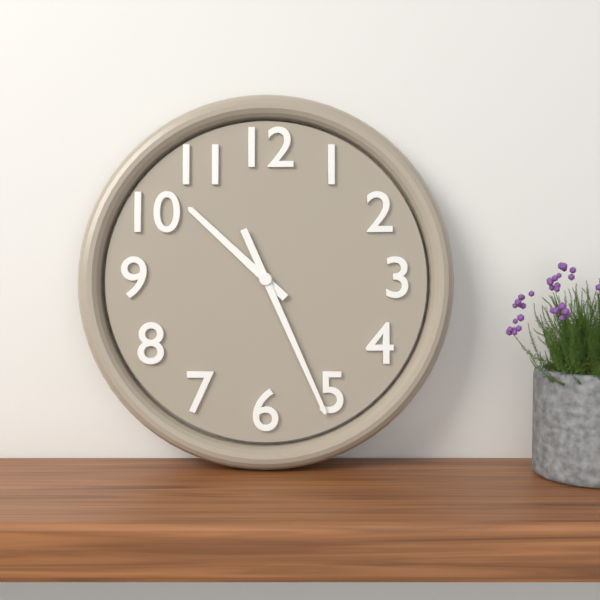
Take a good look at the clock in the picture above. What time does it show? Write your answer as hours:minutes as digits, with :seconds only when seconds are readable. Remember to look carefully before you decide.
10:26
